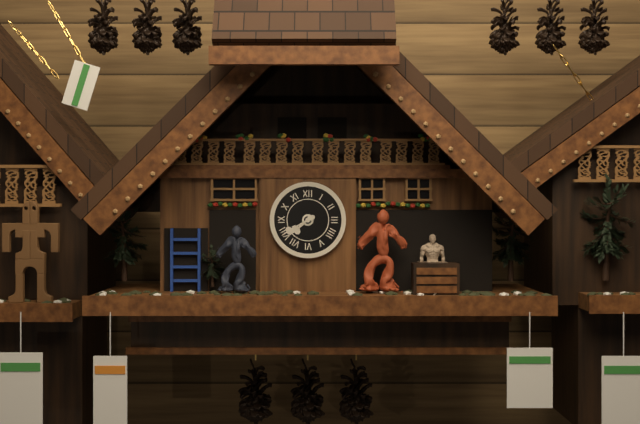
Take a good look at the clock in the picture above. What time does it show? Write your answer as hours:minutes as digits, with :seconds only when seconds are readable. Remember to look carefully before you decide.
7:40
